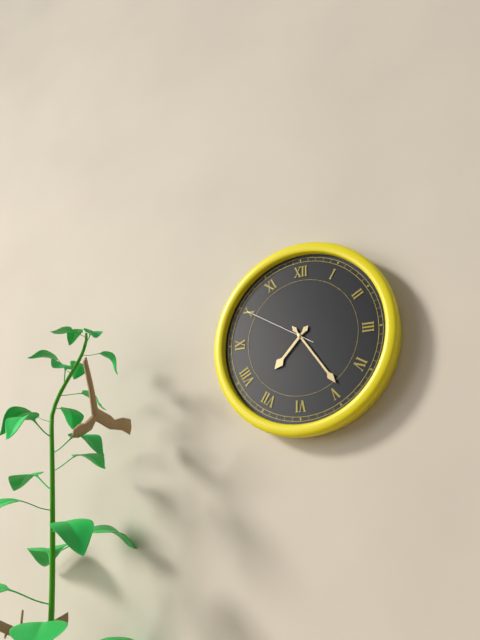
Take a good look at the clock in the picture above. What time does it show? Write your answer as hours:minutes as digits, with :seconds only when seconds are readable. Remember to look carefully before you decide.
7:24:50
